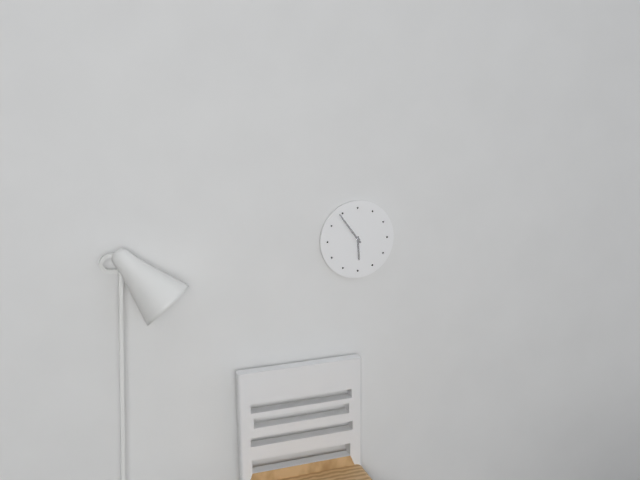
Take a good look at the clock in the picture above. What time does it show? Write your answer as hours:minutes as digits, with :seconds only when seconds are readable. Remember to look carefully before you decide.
5:54
